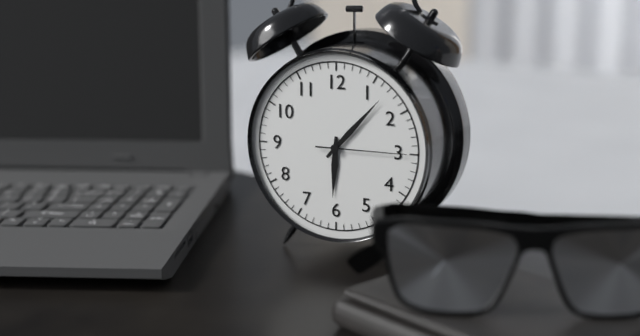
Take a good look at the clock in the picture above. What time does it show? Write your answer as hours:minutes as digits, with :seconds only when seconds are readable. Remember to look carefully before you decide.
6:07:15
